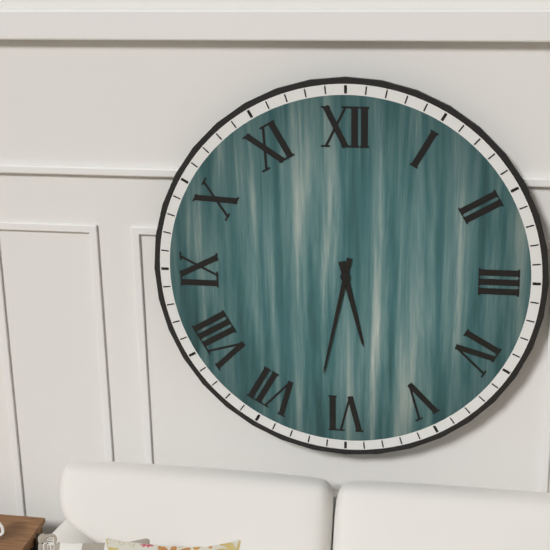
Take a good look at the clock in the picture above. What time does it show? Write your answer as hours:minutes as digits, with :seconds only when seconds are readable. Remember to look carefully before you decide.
5:32
